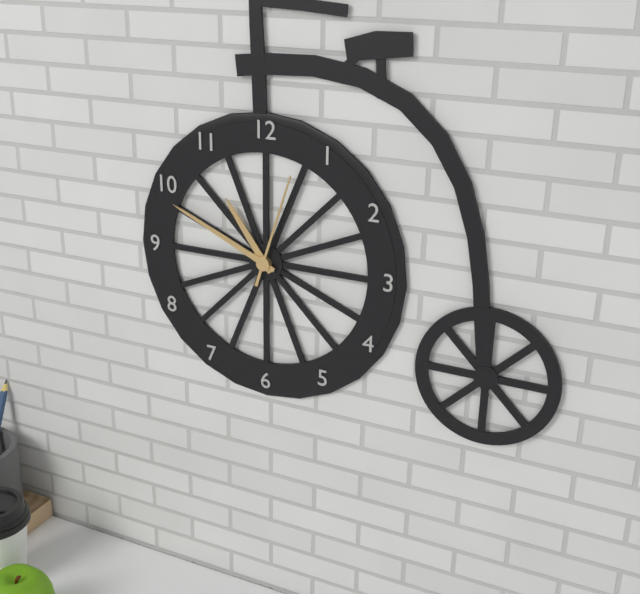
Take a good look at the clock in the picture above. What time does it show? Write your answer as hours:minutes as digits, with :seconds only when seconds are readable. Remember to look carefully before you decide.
10:49:03
